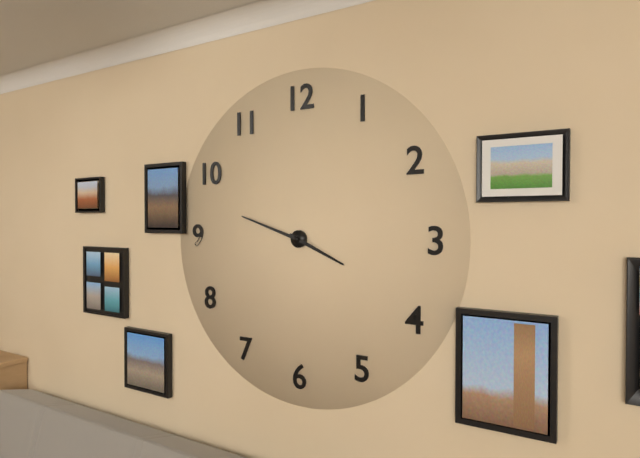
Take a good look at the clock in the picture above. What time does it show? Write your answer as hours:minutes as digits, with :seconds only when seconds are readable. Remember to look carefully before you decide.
3:48
